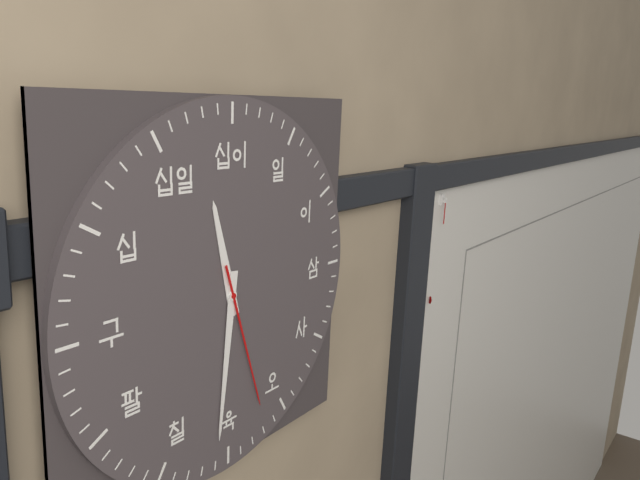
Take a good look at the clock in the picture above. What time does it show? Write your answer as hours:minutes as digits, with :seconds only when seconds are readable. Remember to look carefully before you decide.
11:31:27
